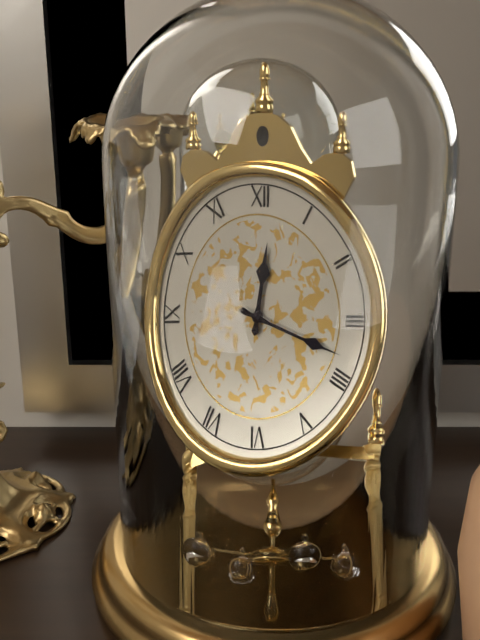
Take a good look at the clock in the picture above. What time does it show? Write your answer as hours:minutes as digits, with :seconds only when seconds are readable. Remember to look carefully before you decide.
12:18
